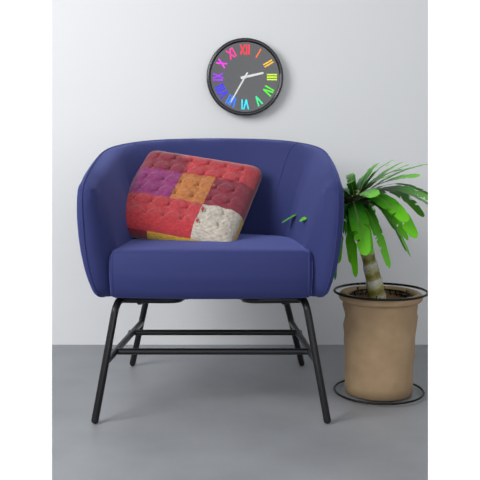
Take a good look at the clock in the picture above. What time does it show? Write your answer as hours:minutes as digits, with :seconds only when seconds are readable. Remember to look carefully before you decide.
2:35
